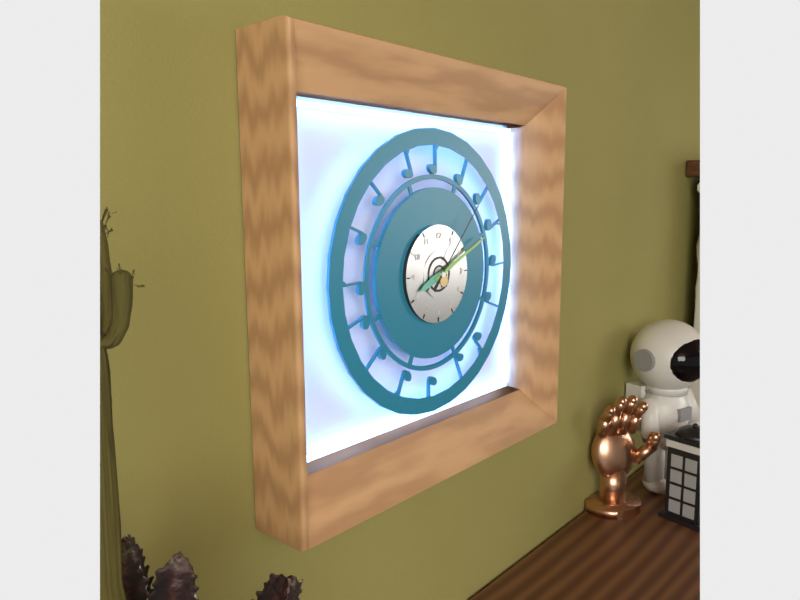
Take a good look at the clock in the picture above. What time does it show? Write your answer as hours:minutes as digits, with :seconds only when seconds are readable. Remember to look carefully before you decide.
8:11:07
